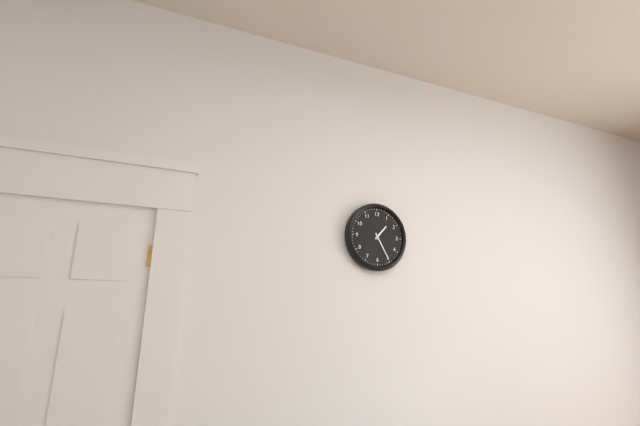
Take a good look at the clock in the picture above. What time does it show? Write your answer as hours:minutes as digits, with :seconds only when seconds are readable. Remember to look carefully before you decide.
1:25
